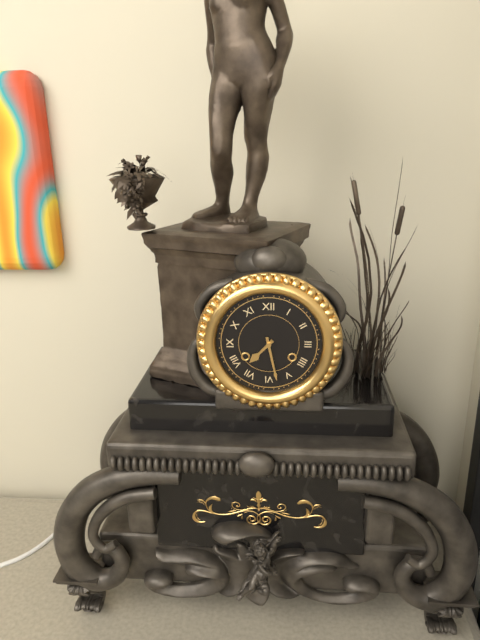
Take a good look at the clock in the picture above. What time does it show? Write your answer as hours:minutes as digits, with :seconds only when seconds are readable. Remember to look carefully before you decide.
7:28
